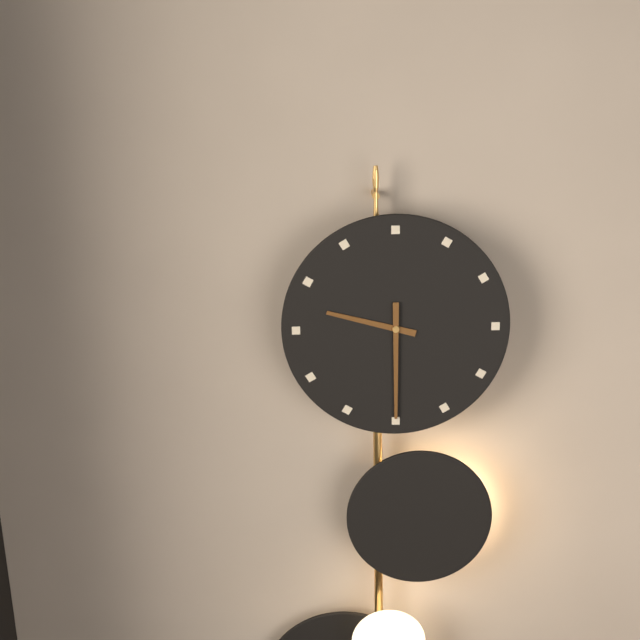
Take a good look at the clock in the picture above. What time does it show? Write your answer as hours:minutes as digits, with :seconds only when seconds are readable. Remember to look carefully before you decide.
9:30
